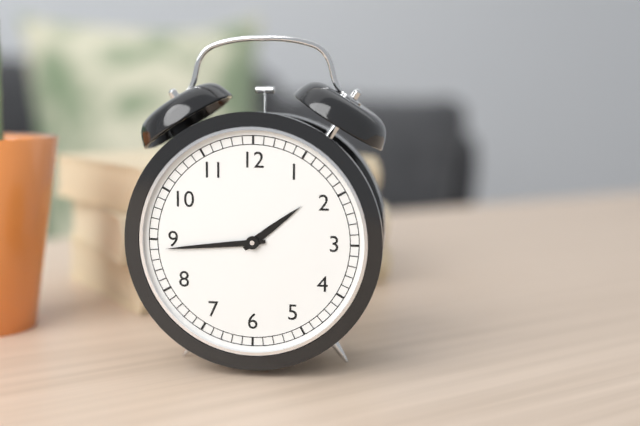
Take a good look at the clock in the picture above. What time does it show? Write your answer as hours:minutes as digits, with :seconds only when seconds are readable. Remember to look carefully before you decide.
1:44
